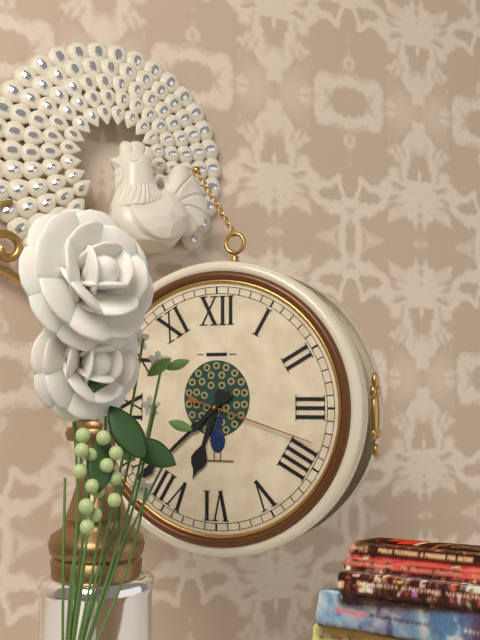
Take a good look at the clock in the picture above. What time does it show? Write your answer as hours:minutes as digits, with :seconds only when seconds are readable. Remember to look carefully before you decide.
6:38:18
